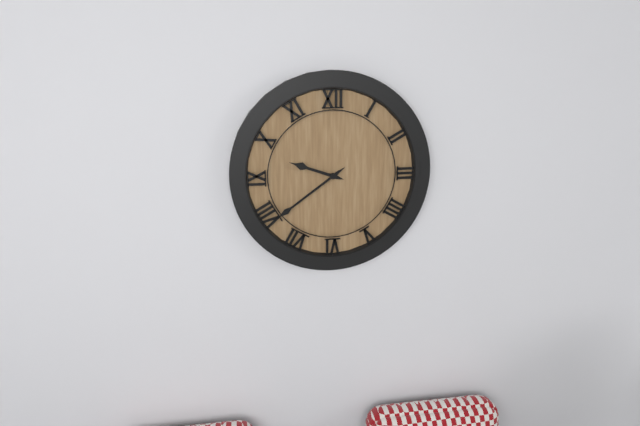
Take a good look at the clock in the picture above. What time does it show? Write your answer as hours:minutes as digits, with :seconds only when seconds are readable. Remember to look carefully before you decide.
9:39
